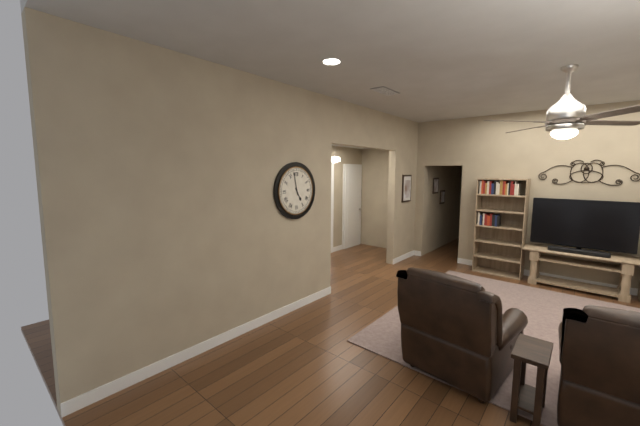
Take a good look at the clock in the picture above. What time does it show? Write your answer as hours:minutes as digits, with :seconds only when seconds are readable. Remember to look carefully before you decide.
4:58
